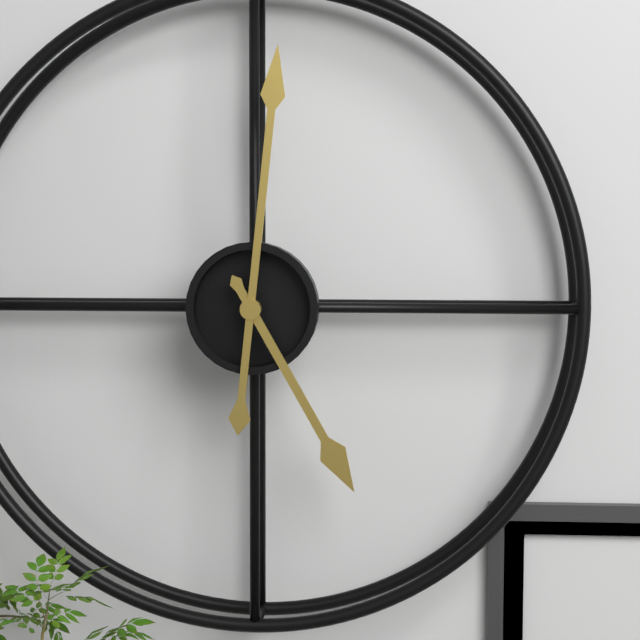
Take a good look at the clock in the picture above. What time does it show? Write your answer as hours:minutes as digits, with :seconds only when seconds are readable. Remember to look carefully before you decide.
5:01
